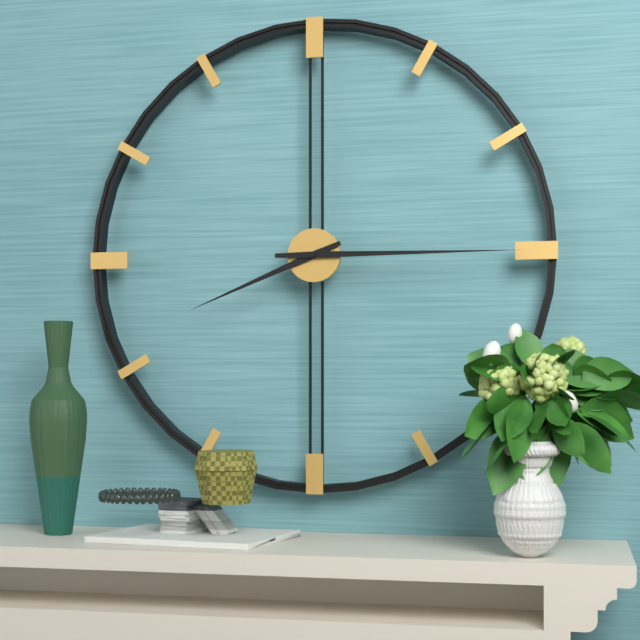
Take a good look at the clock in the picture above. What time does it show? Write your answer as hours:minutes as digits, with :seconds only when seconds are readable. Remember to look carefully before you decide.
8:15
